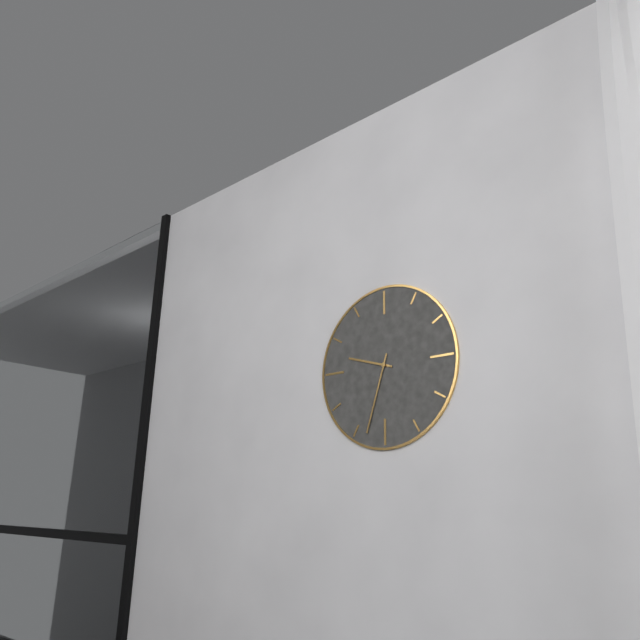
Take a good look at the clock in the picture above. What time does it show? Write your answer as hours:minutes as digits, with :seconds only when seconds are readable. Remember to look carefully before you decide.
9:33
